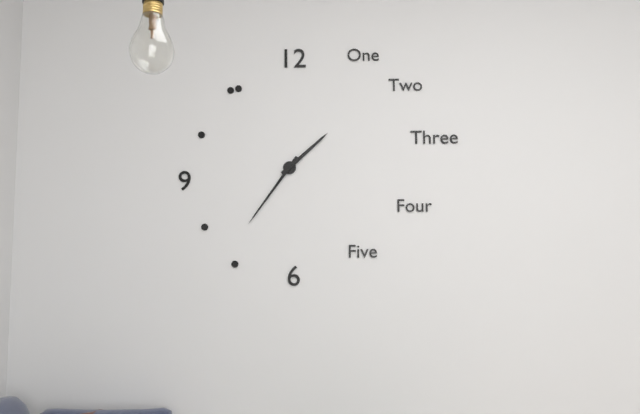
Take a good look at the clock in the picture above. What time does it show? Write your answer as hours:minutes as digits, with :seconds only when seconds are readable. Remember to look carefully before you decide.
1:36
